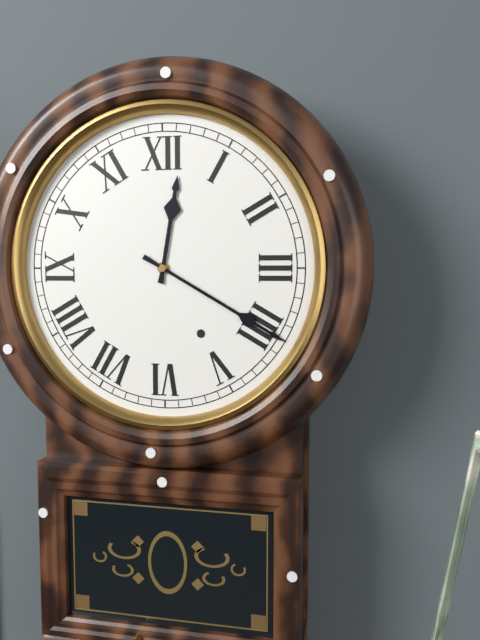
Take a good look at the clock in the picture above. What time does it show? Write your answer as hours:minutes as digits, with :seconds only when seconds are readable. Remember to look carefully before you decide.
12:20
